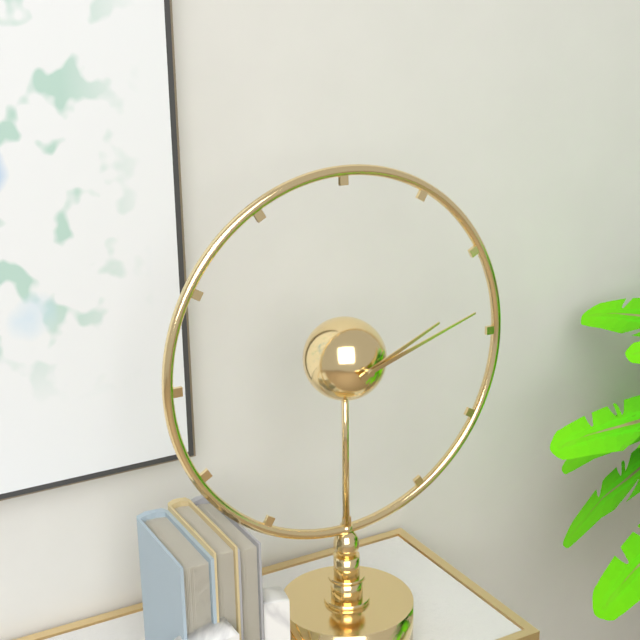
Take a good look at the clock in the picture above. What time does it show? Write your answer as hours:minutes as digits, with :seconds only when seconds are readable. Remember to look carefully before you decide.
2:12
